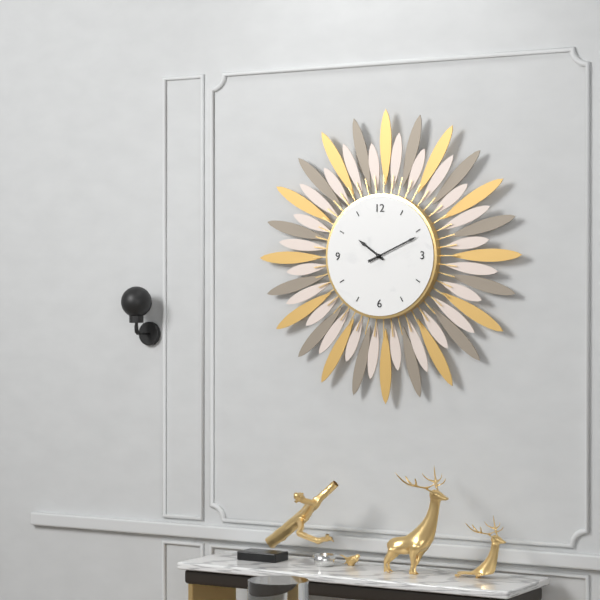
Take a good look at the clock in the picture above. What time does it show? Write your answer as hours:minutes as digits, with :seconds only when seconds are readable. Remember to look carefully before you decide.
10:11
